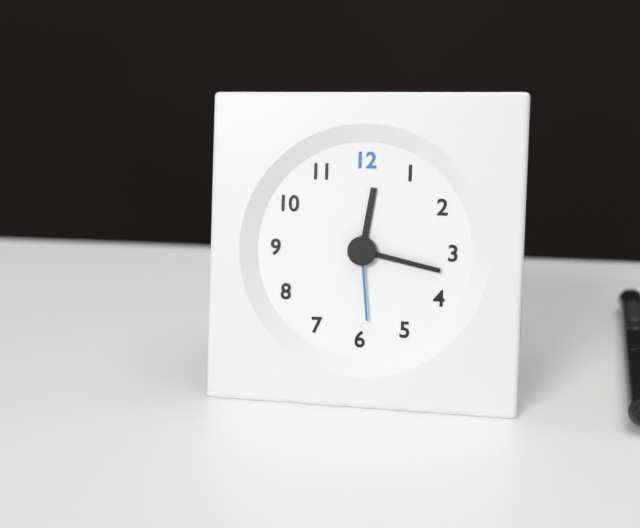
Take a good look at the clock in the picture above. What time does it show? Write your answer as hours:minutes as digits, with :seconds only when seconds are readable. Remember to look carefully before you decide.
12:17:29
